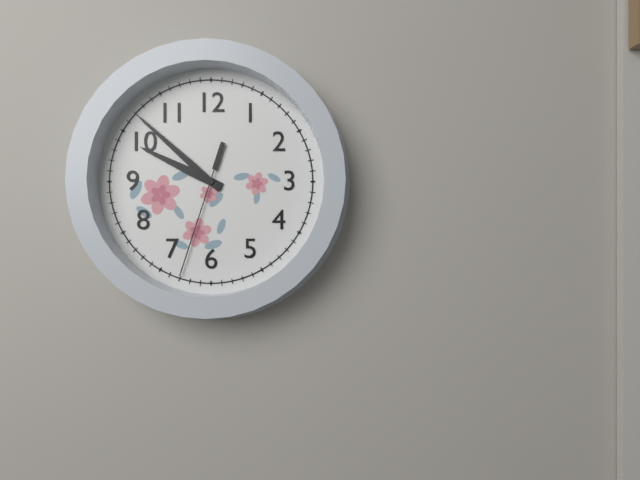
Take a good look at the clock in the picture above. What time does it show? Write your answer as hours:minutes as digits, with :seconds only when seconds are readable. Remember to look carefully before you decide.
9:52:33
